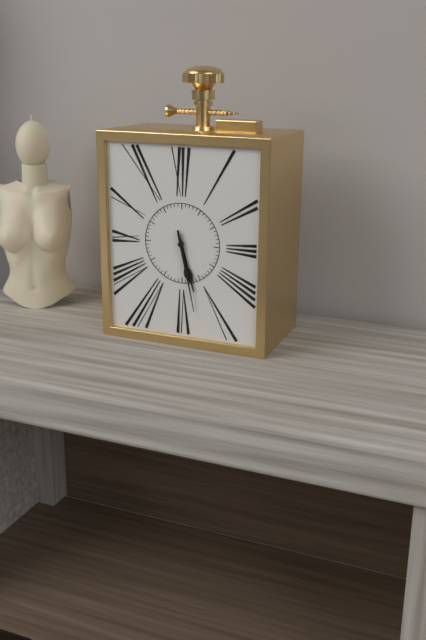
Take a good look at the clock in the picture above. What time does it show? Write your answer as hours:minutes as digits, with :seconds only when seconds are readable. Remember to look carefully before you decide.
5:28
